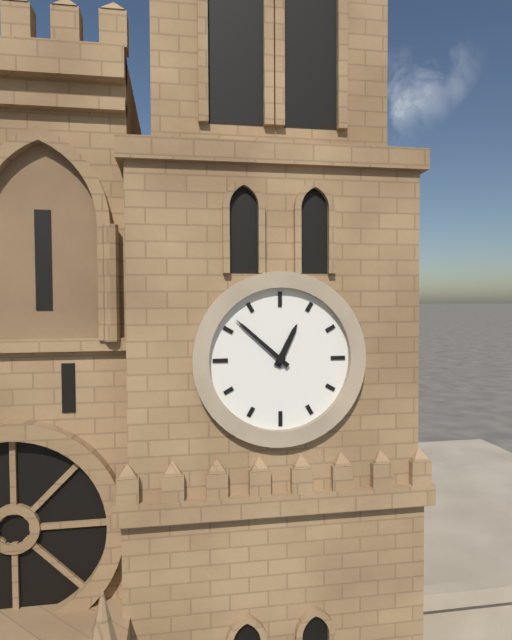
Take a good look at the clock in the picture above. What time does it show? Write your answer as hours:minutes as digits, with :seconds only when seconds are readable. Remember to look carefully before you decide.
12:52
